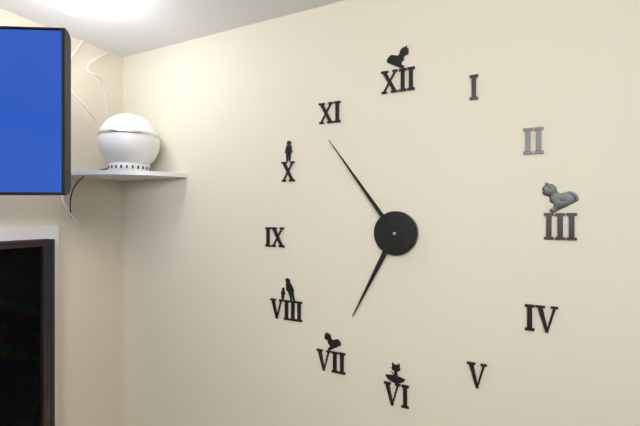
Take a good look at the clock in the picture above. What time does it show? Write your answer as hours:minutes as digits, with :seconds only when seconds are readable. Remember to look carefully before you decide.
6:54
